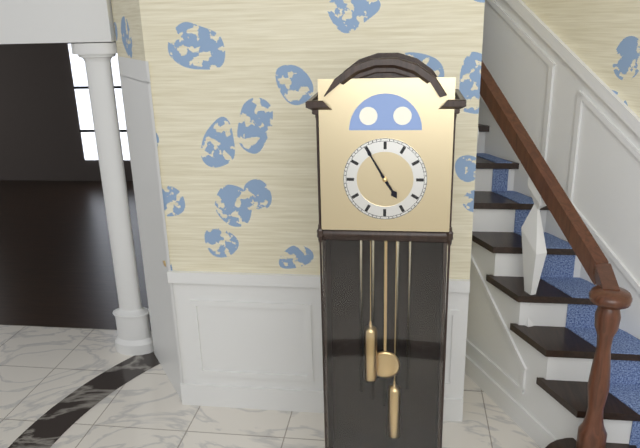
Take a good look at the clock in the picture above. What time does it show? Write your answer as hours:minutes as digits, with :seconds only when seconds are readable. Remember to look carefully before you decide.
4:55
